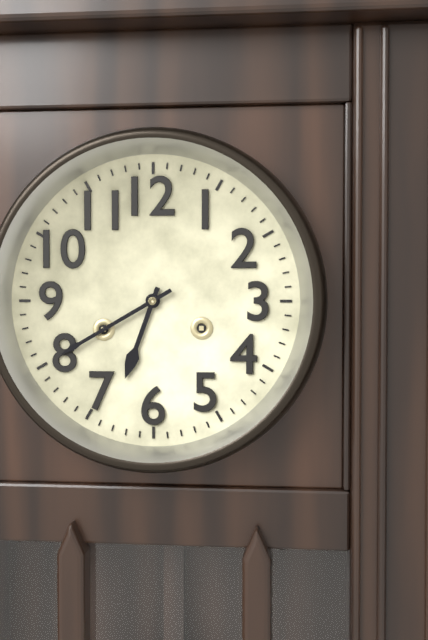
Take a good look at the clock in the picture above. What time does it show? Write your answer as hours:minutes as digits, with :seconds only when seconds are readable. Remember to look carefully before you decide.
6:40
